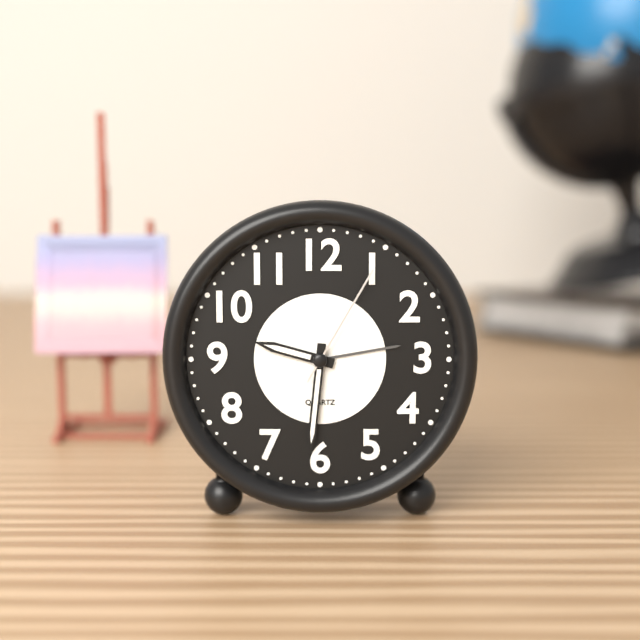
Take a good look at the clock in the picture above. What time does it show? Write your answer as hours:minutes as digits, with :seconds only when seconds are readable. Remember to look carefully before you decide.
9:31:05
